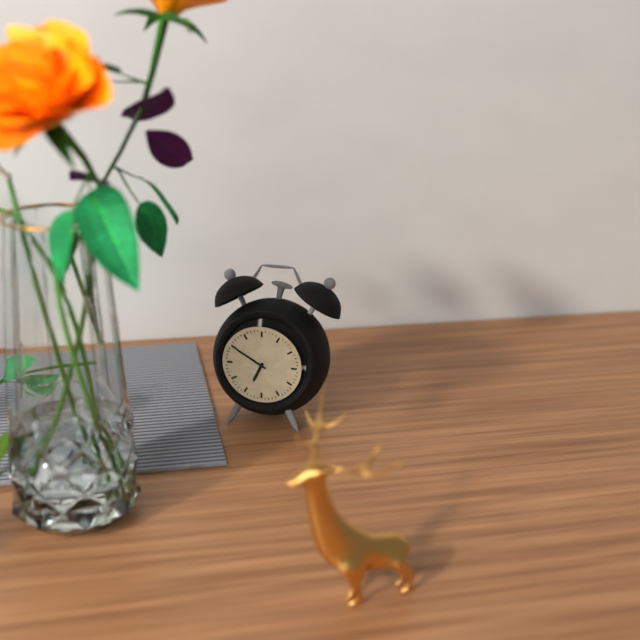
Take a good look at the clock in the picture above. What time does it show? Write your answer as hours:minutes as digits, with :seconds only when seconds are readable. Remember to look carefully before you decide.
6:50
